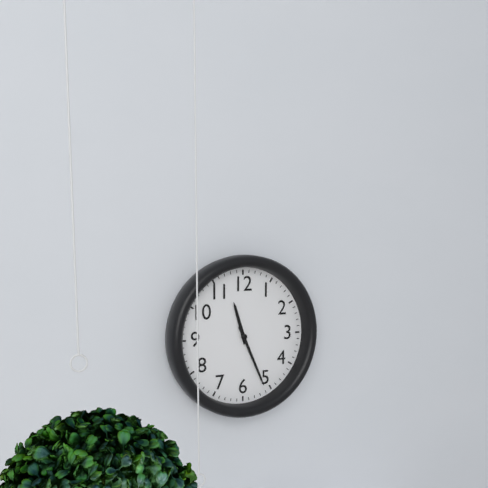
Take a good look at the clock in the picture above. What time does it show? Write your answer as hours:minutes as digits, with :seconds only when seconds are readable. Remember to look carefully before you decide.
11:26
